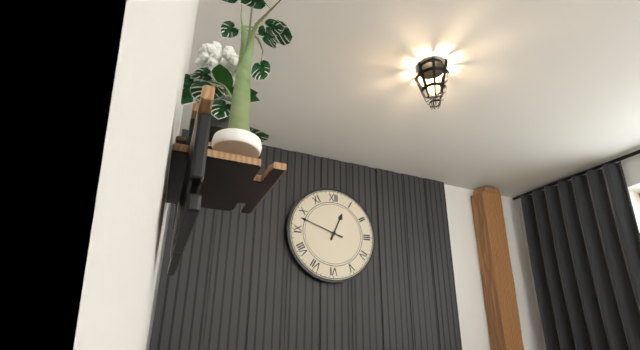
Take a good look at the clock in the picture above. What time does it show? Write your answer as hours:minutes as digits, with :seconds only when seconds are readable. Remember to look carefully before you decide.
12:48
